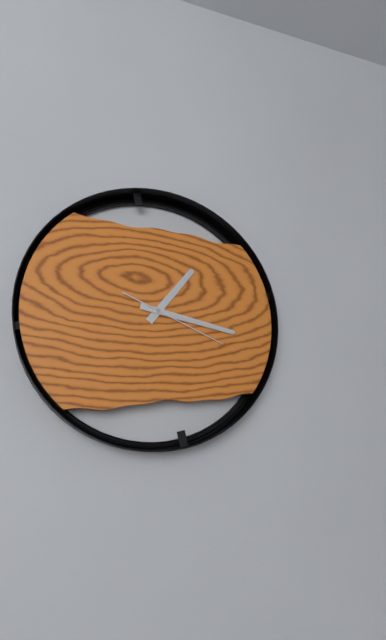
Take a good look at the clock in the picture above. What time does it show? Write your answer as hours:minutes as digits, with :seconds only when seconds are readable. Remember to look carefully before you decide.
1:17:19
